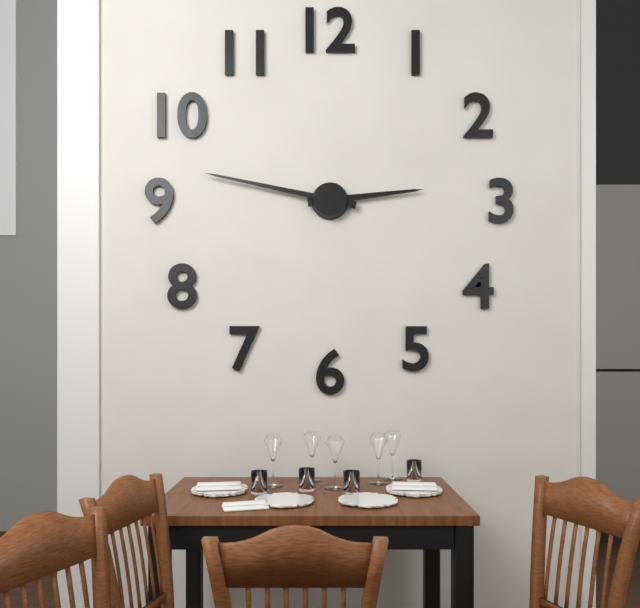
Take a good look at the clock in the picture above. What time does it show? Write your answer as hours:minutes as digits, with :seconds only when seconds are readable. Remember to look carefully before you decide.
2:47
